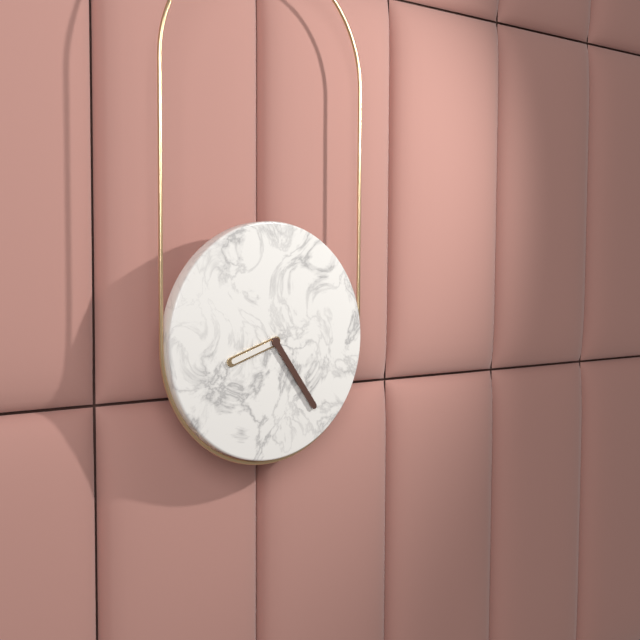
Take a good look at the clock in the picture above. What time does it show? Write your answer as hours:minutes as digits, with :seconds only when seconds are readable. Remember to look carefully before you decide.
8:24
